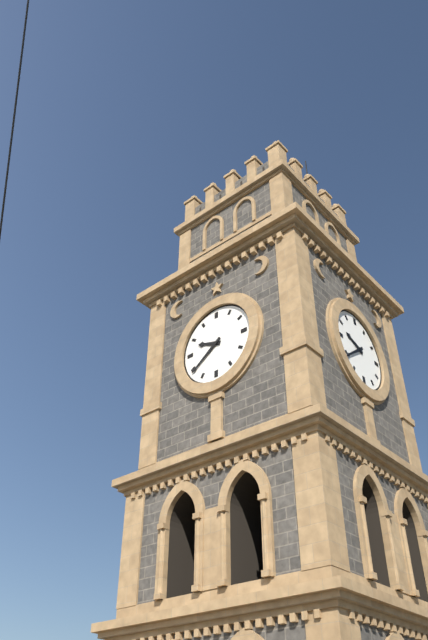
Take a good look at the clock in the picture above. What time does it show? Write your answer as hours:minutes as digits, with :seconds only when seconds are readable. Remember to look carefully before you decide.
9:39
